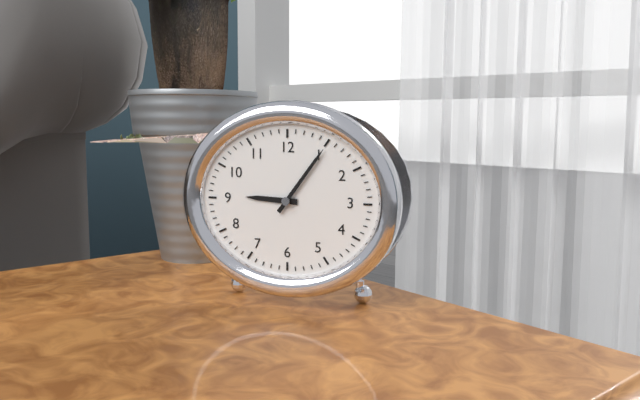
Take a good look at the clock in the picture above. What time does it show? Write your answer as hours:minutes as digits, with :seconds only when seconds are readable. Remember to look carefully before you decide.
9:06
